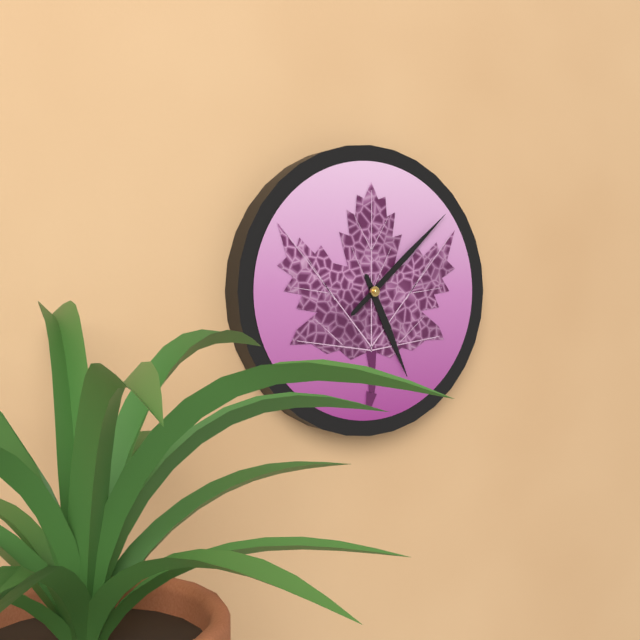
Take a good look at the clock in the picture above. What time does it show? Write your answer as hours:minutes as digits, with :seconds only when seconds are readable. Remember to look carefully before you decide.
5:08
